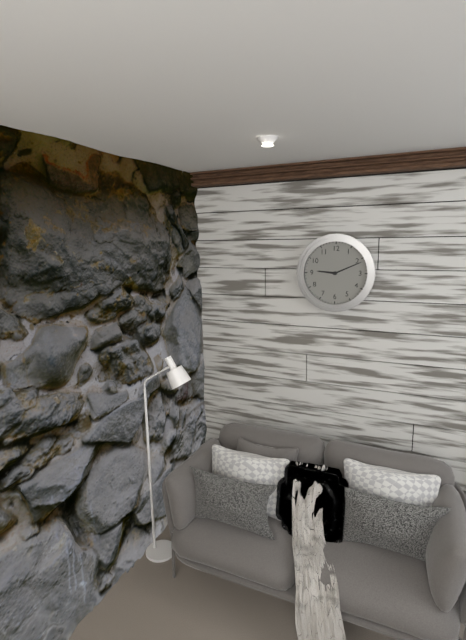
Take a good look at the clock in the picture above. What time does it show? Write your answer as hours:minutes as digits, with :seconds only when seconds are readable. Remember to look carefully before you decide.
9:11
